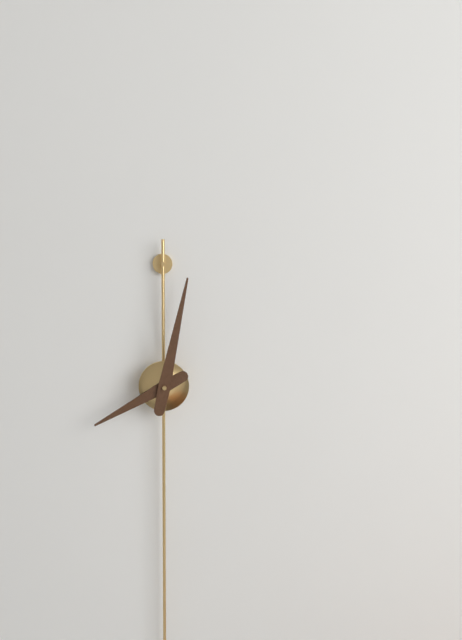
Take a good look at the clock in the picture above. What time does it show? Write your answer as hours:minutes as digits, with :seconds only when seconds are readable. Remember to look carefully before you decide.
8:02
